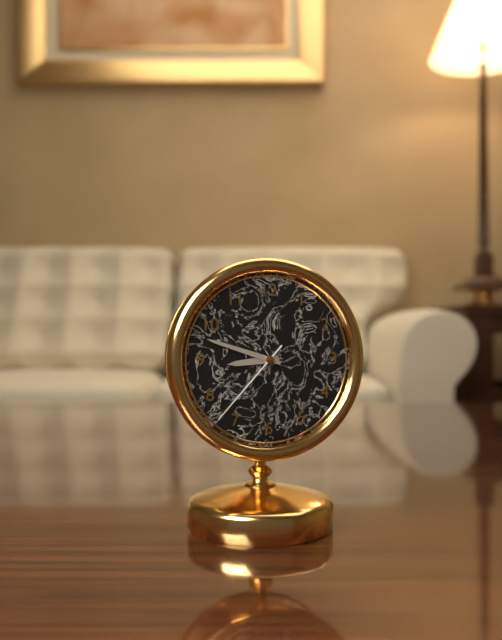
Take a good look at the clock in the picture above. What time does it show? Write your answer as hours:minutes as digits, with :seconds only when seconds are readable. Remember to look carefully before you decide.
8:48:37
